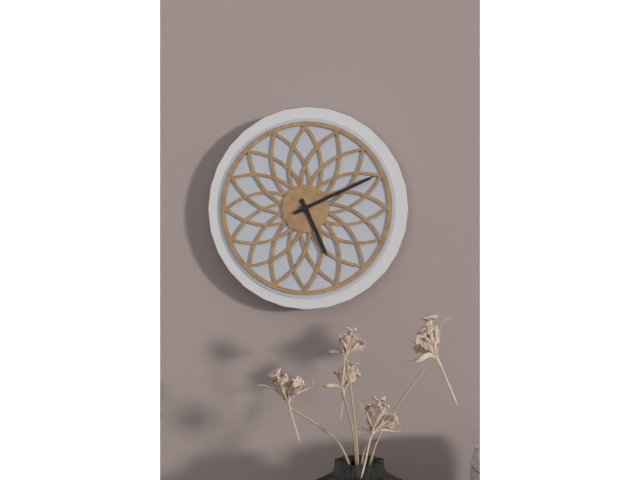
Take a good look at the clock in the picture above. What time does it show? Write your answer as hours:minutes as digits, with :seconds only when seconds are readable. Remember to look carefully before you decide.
5:11
